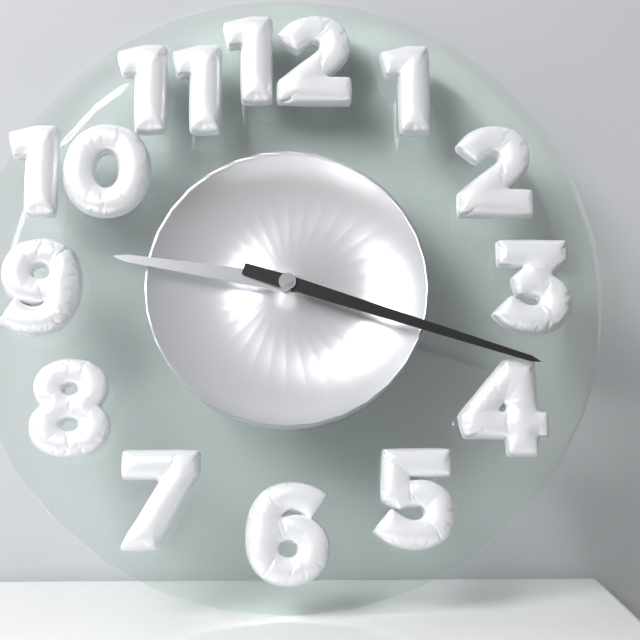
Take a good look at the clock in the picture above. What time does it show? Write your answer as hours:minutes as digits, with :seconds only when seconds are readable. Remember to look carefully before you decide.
9:18
